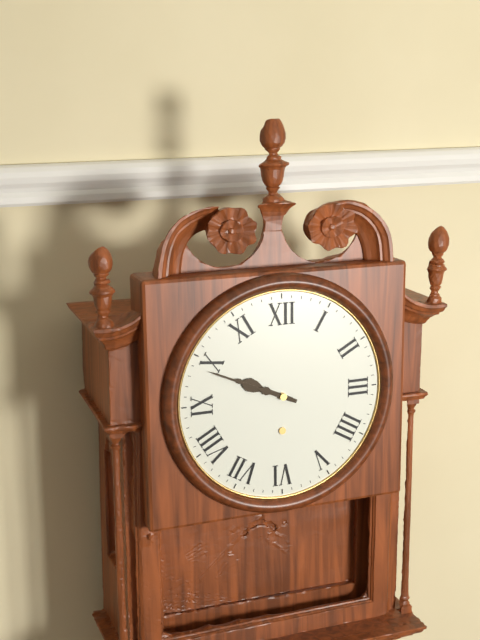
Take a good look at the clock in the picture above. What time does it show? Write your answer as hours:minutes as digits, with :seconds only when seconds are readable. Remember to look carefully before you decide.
9:49
